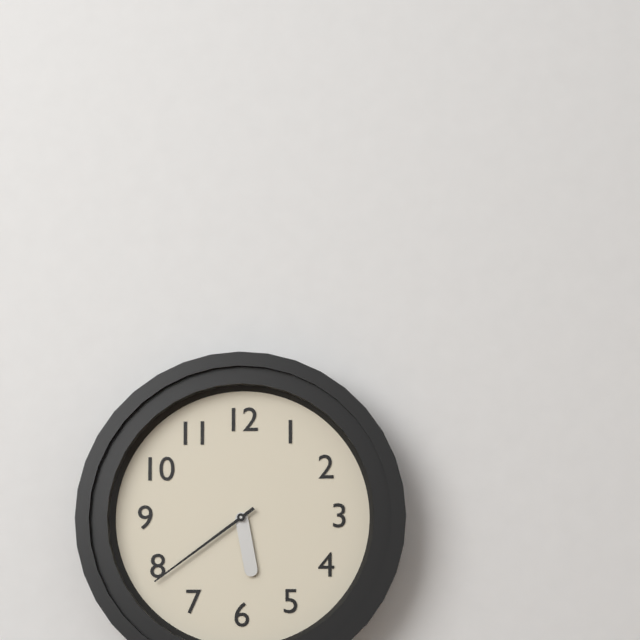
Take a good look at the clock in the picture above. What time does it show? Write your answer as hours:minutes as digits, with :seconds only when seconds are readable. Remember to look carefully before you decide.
5:39
